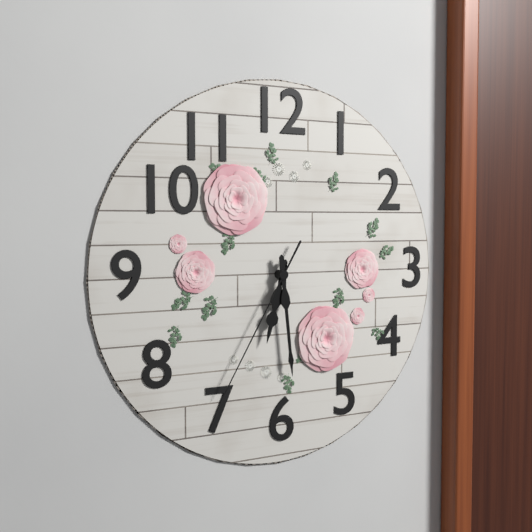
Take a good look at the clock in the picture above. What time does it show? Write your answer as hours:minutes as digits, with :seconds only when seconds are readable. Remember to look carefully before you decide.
6:29:35
